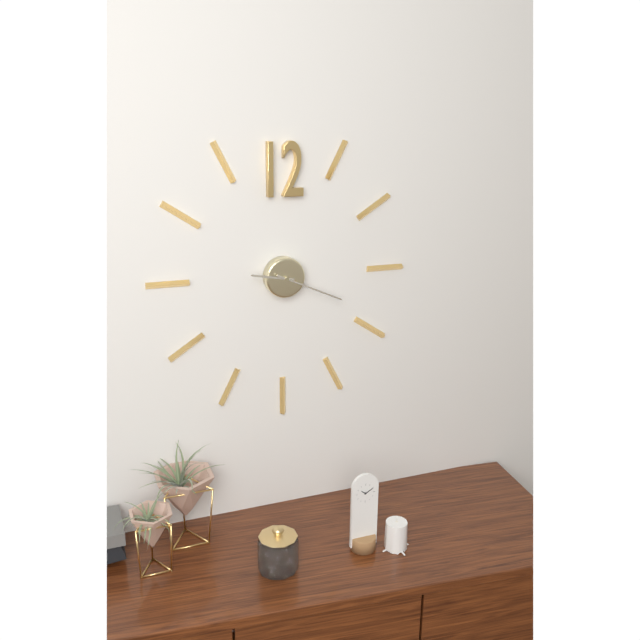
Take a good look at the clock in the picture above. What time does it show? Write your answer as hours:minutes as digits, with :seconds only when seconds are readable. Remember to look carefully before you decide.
9:19
